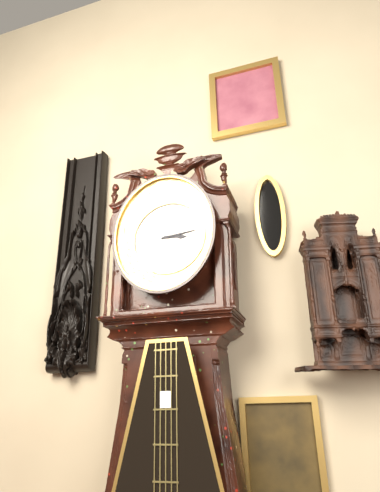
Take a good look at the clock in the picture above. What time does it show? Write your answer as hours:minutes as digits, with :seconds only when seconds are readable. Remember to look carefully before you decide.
3:14
